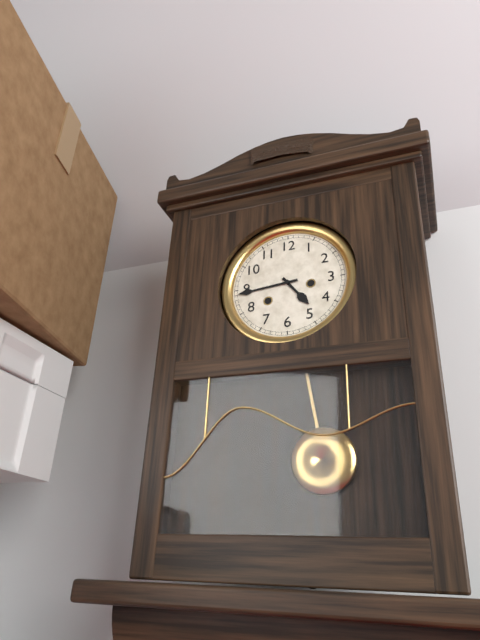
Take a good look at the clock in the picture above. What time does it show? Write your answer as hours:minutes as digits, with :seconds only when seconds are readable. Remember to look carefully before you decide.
4:44
